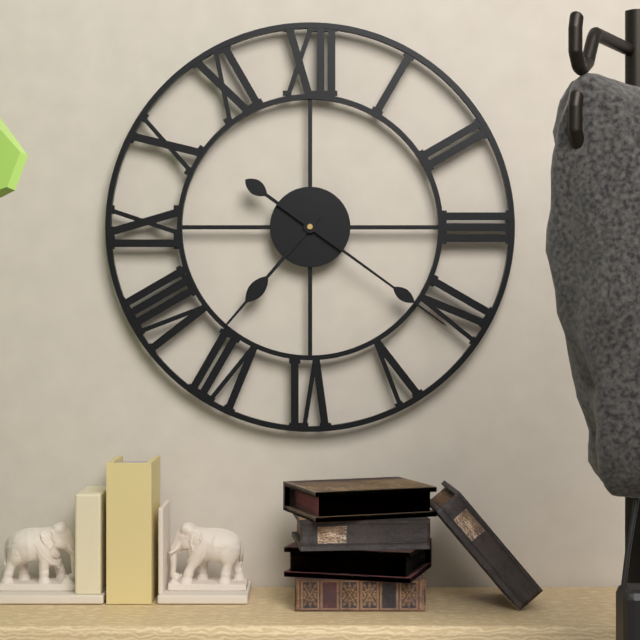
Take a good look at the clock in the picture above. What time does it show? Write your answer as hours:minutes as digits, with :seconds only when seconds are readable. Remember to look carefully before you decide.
7:21
